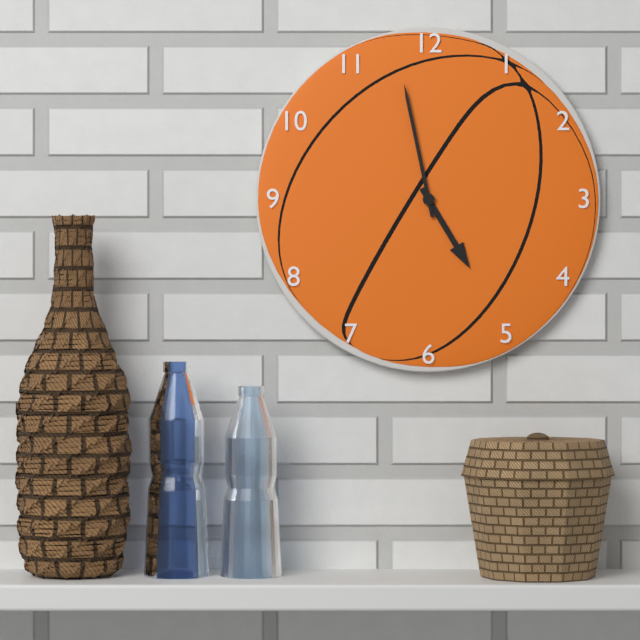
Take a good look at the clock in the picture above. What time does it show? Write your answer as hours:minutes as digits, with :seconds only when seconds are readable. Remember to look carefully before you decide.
4:58
